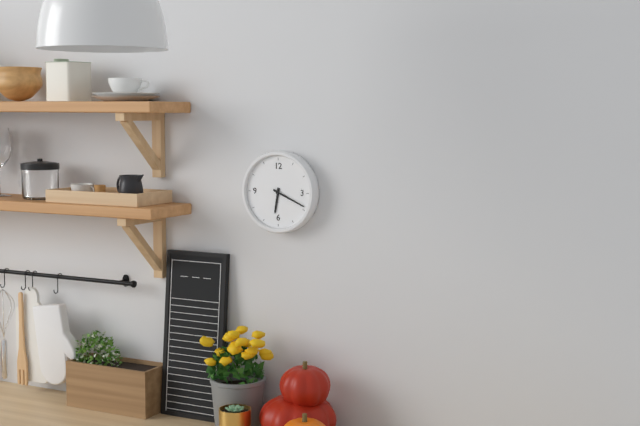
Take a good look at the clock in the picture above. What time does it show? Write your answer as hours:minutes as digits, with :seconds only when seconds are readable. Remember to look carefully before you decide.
6:19
